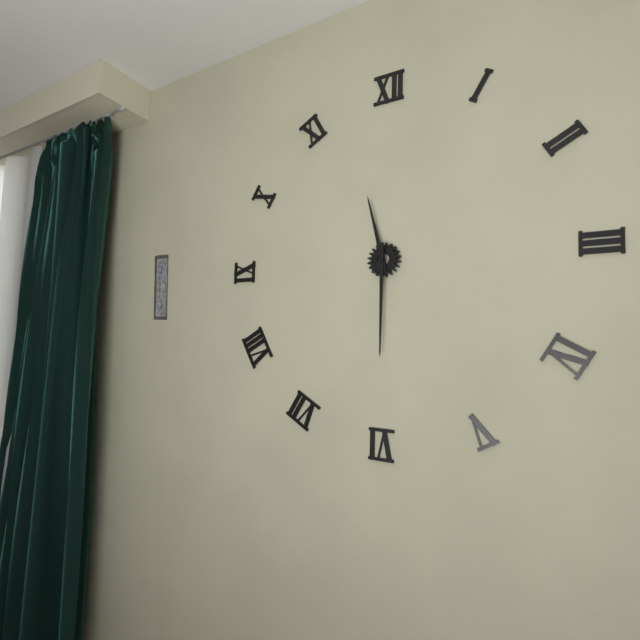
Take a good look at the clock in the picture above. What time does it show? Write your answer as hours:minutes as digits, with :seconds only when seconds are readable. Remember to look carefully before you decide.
11:30
